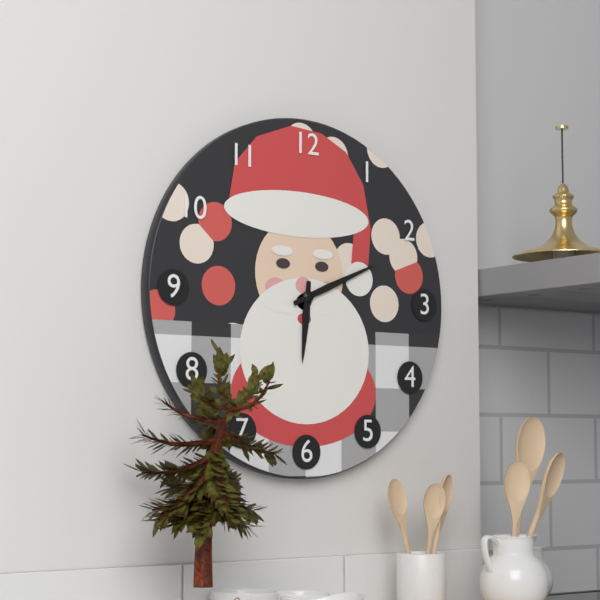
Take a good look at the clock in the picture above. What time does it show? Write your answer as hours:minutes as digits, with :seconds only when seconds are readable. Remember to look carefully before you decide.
6:11
